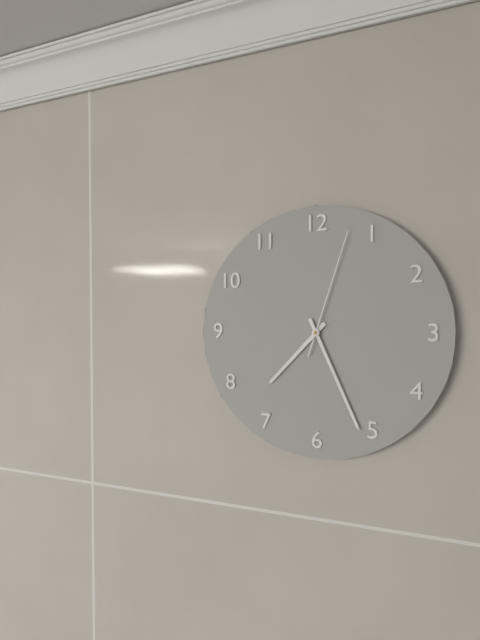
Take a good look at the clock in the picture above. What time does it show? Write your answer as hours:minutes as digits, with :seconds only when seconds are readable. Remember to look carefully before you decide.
7:26:03
